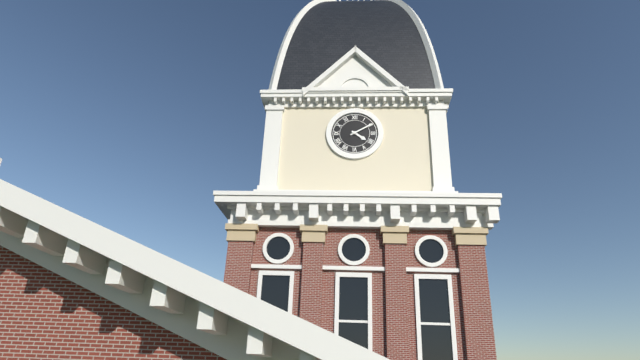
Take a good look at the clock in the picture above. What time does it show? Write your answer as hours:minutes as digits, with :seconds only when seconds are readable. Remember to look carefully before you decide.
4:10
